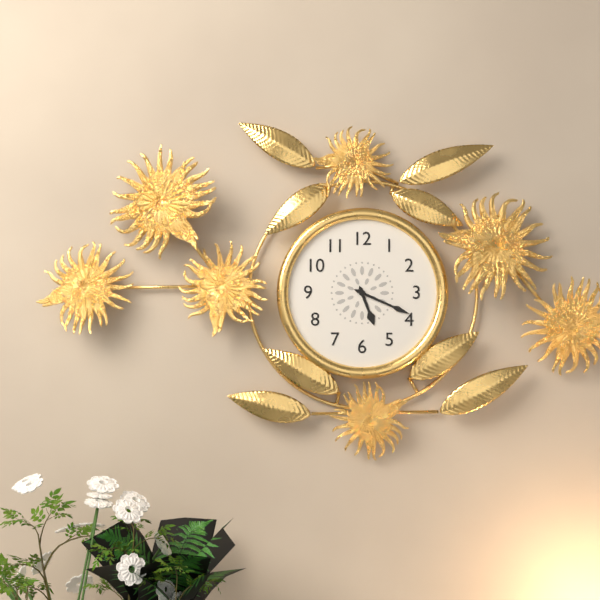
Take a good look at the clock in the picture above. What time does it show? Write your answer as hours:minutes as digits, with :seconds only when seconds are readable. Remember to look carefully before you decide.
5:19
